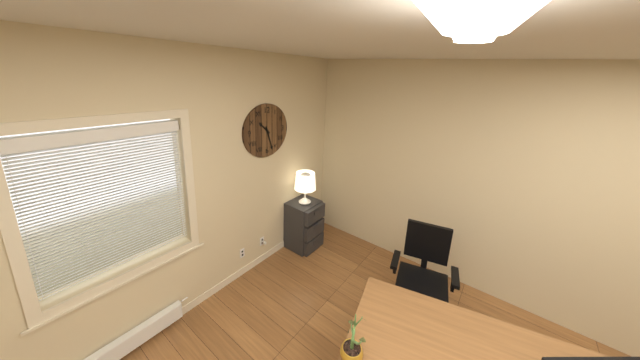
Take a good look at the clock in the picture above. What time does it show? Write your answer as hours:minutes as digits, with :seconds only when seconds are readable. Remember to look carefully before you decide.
10:27
